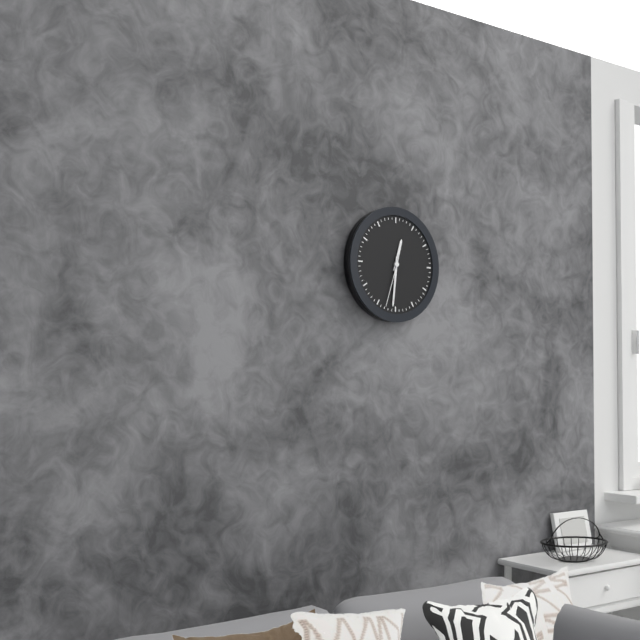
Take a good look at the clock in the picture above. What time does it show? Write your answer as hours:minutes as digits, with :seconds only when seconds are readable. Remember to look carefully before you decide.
12:31:33
